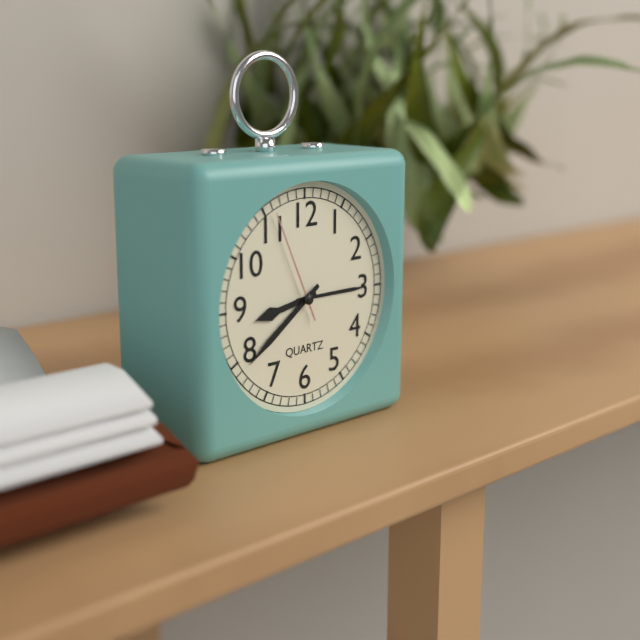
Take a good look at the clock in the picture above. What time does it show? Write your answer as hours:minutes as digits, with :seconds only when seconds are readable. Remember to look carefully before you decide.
8:39:56
